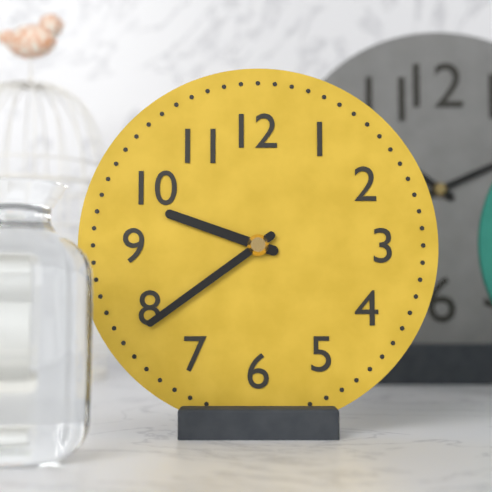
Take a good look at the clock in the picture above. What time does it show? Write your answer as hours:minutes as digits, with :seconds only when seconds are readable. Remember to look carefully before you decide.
9:39
